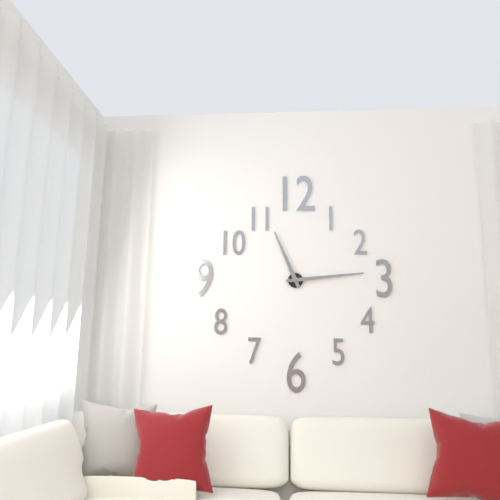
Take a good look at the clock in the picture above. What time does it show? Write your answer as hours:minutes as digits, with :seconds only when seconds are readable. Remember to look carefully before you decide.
11:14
